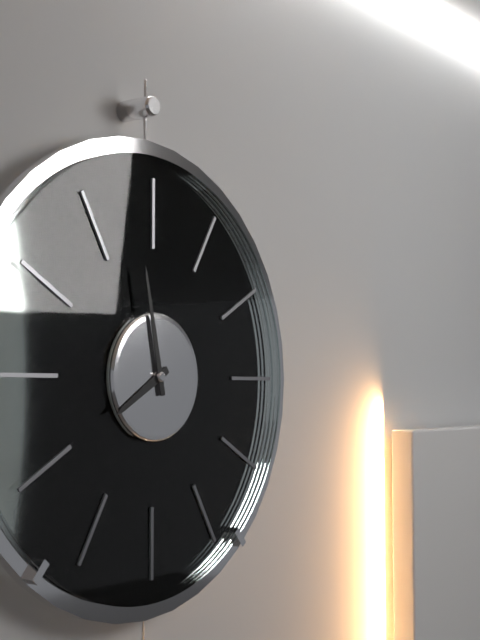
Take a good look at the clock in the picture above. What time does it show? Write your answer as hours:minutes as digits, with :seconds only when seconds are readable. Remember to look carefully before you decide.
7:58
